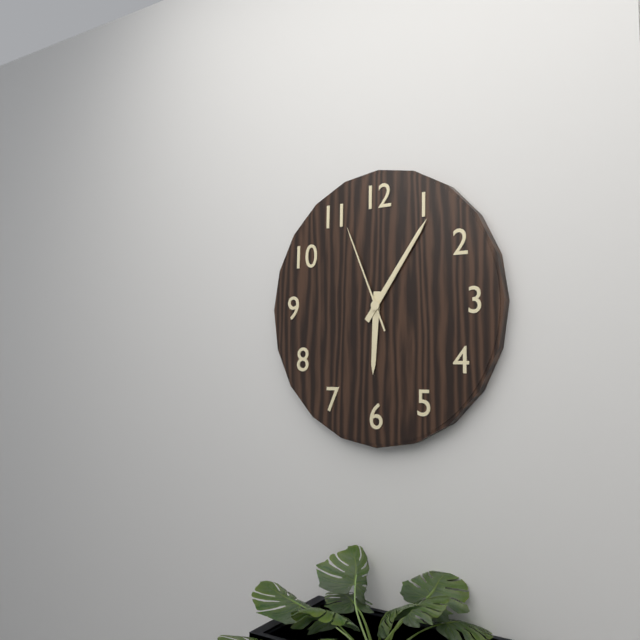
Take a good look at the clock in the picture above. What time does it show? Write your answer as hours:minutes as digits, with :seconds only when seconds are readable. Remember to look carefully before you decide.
6:06:56
